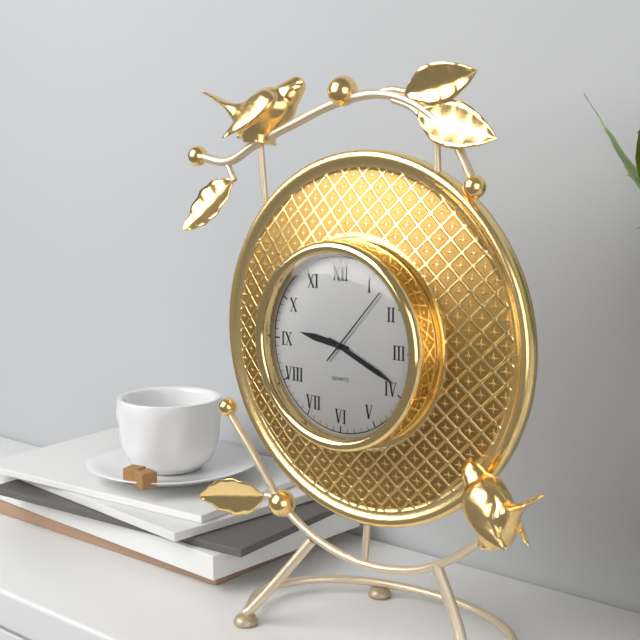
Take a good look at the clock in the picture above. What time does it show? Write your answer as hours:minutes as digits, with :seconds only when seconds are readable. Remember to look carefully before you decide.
9:19:07
